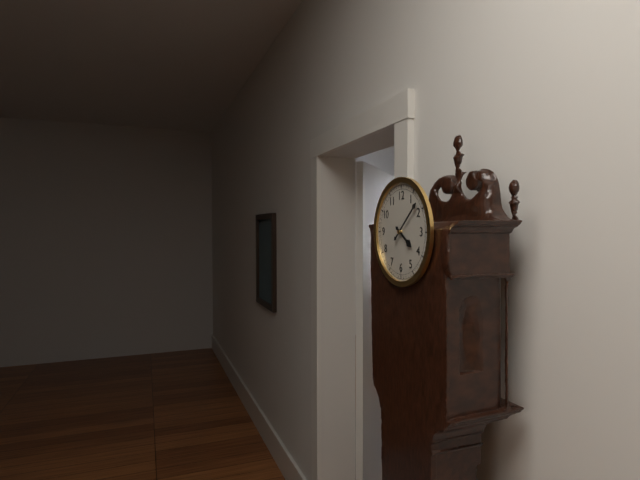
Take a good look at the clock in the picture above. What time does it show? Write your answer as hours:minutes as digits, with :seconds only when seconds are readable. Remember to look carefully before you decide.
4:08
